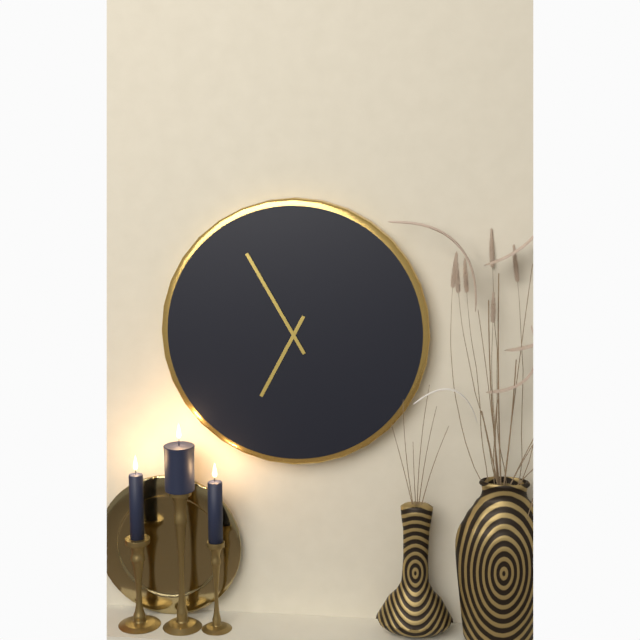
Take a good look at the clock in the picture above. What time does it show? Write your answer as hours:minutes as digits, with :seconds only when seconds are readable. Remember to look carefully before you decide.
6:55
